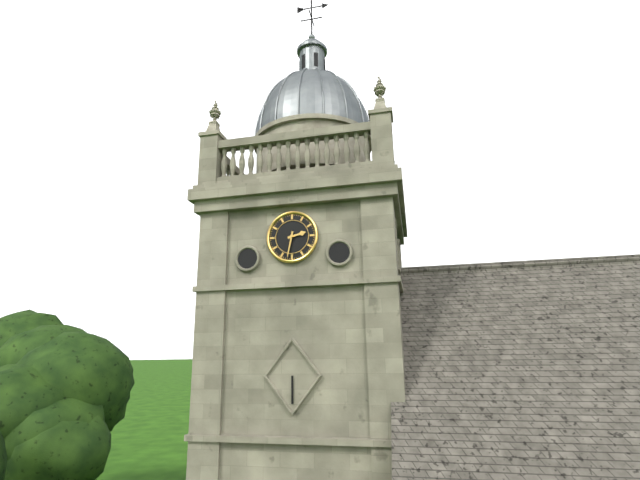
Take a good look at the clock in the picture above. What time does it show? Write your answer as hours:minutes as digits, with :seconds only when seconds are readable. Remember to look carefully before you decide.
2:32
